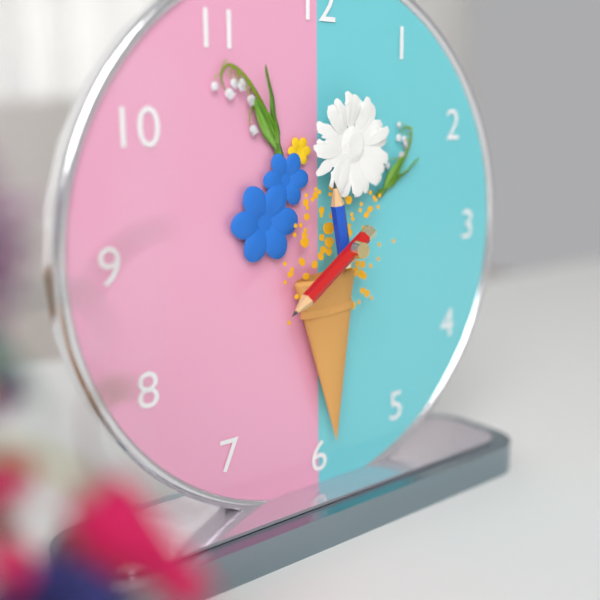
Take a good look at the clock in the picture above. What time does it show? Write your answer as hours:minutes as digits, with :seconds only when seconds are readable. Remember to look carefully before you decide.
11:39
